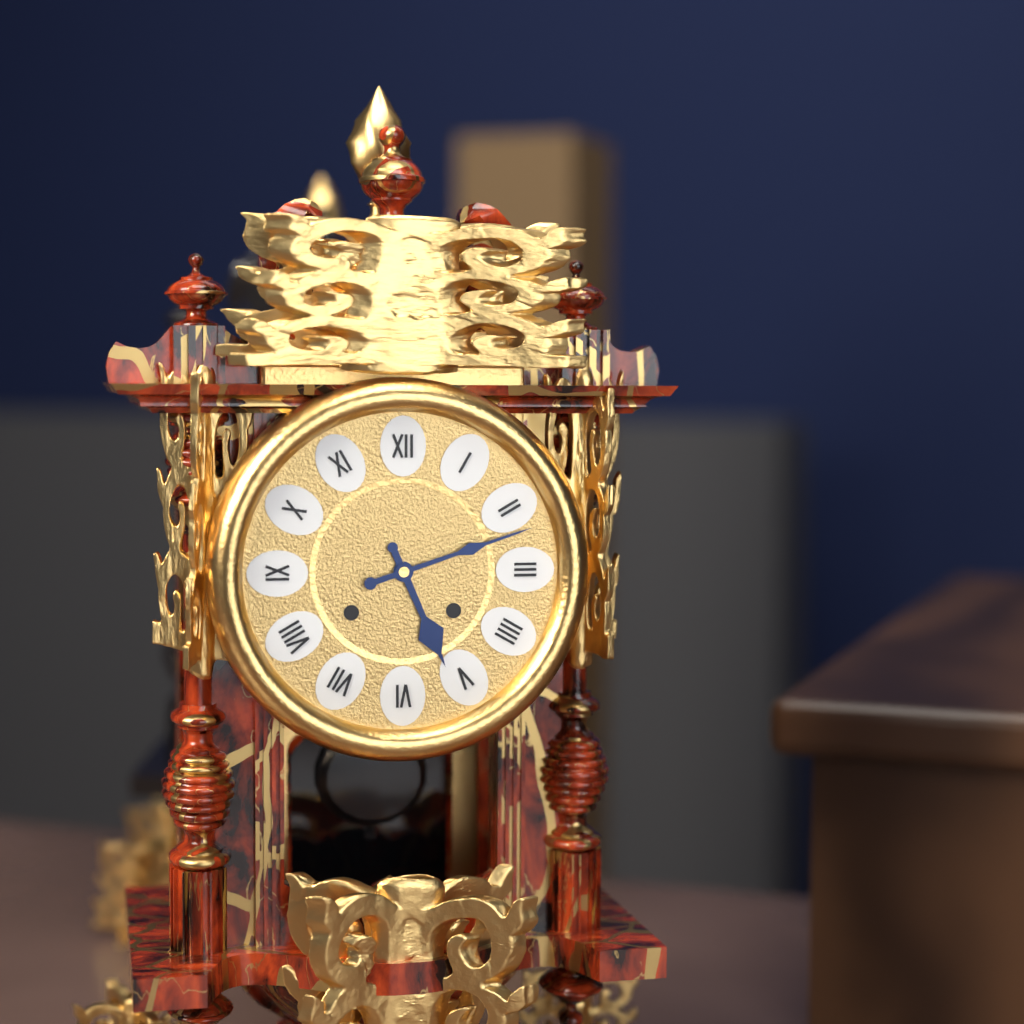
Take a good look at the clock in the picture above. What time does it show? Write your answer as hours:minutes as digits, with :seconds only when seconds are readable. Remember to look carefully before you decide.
5:12
